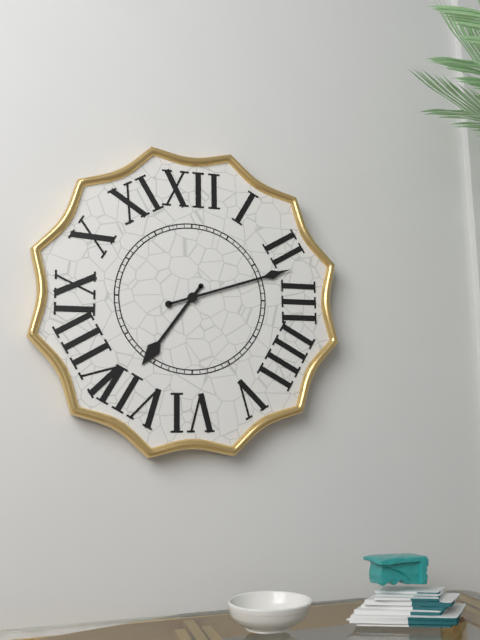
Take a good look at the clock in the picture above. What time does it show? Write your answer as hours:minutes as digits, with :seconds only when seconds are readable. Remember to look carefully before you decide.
7:12
